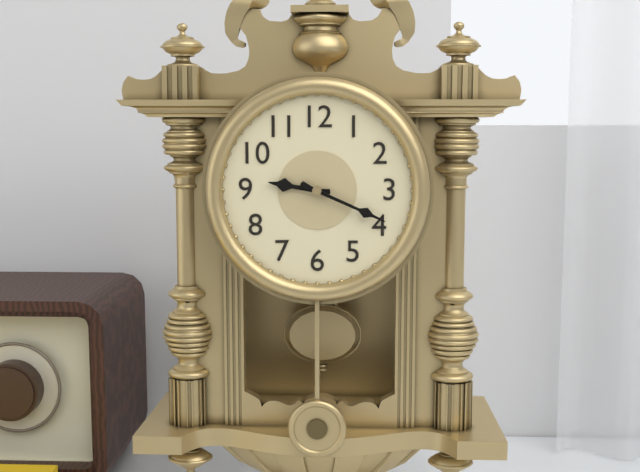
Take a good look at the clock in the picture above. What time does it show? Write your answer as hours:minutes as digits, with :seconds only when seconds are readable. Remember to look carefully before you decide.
9:19
